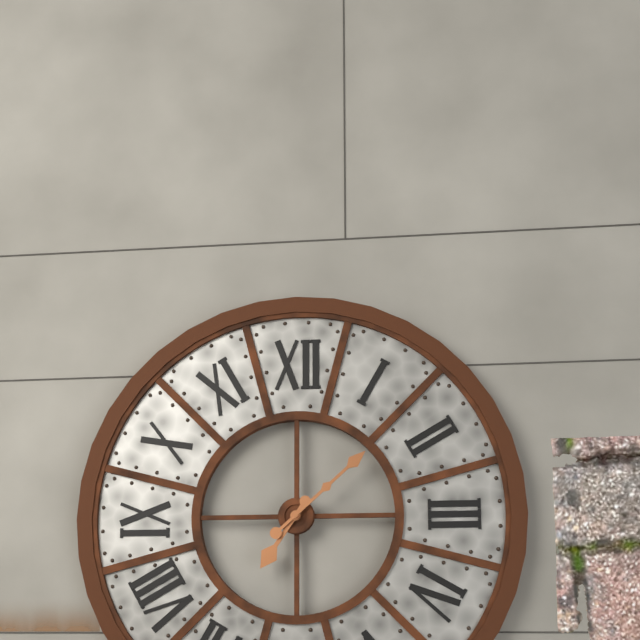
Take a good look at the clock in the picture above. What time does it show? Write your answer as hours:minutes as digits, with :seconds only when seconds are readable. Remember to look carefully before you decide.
7:08
